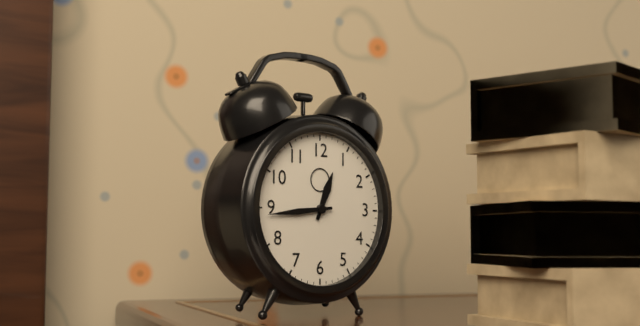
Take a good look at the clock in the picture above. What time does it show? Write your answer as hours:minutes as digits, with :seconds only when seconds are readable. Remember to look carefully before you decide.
12:44
